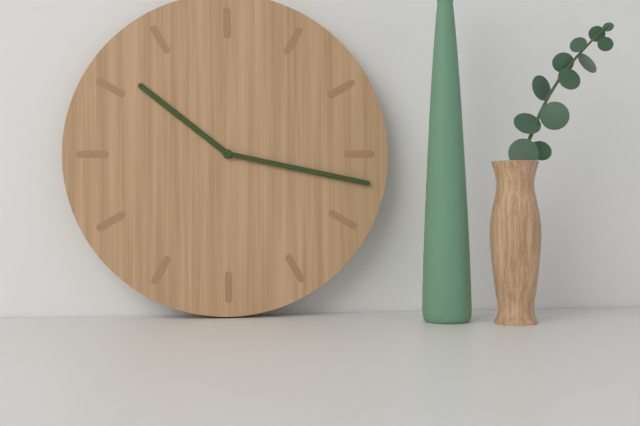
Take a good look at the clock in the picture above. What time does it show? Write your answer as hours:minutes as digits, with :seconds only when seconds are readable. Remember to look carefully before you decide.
10:17
